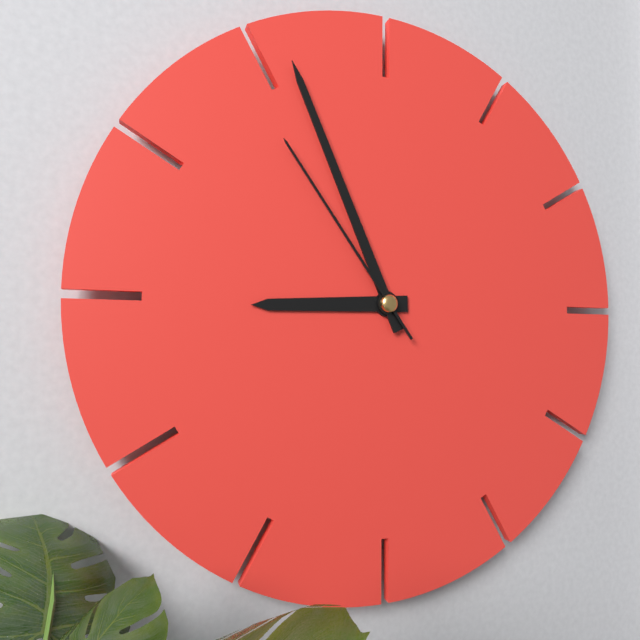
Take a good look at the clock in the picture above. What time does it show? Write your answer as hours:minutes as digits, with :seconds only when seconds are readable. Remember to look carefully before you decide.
8:56:54
